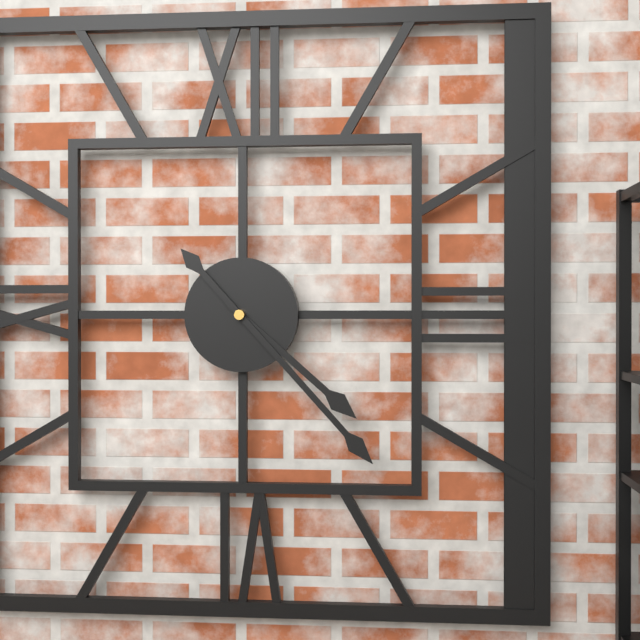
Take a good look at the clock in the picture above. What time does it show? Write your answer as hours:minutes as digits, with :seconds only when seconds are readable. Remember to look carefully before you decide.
4:23
